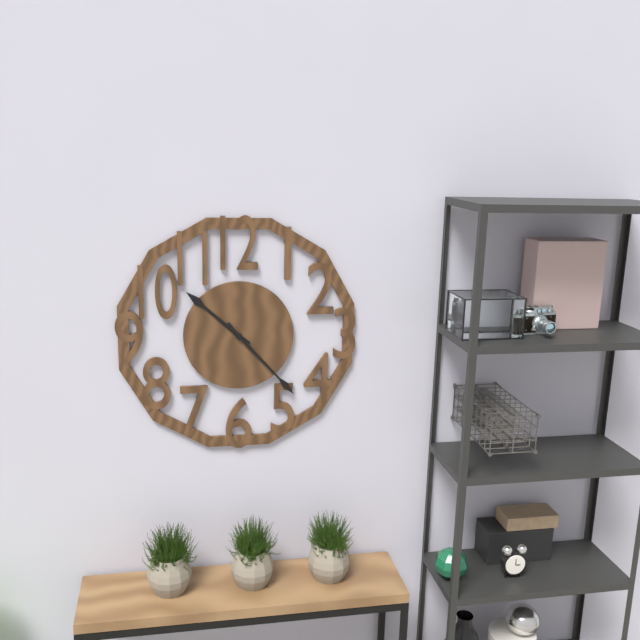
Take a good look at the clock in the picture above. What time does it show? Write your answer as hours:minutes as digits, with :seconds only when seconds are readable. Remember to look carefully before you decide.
10:23
